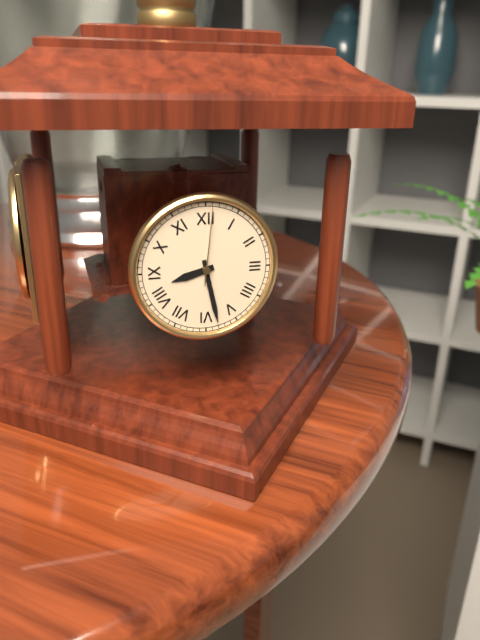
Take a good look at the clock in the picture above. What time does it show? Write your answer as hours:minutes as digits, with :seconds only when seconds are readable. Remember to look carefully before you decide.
8:28:01
